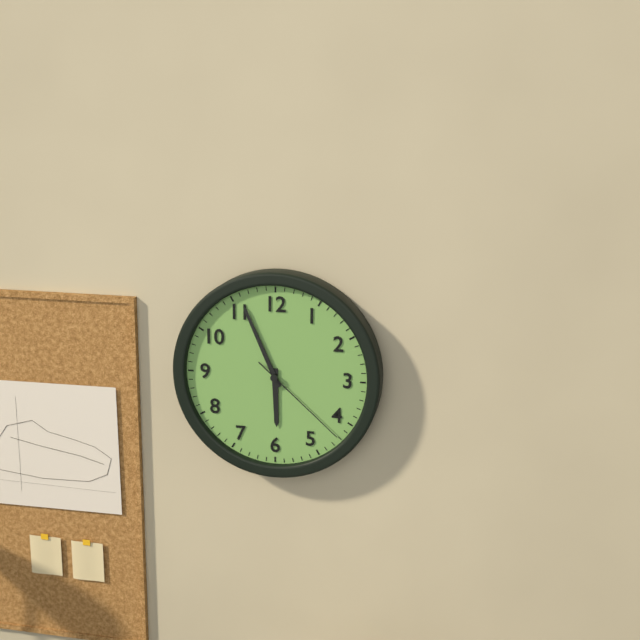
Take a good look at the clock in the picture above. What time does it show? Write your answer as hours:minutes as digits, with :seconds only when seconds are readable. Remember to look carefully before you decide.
5:56:22
